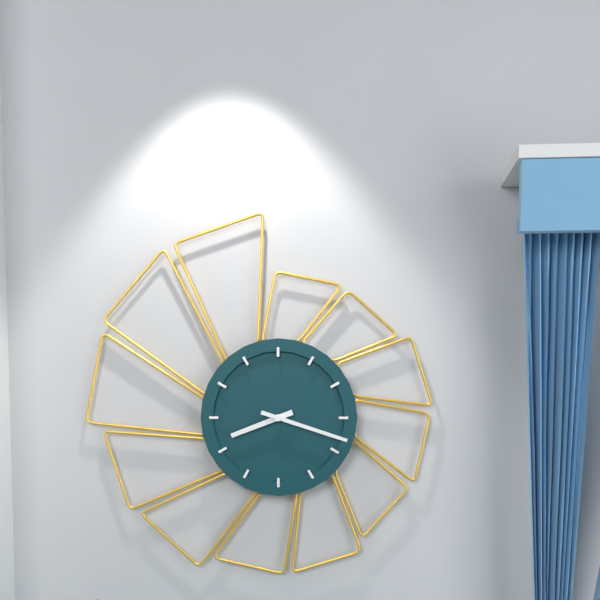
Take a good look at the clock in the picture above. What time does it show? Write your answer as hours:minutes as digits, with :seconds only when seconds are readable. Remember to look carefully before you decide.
8:18
